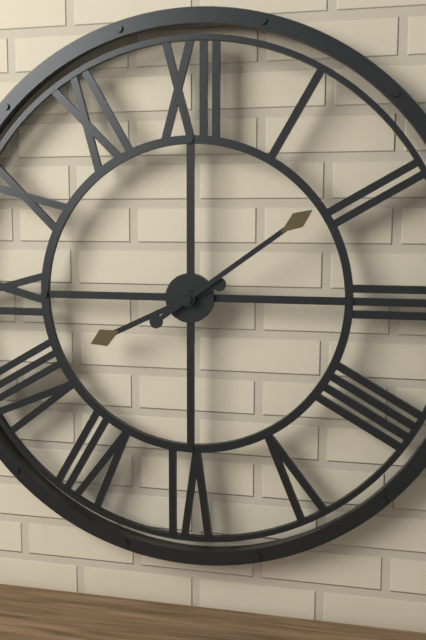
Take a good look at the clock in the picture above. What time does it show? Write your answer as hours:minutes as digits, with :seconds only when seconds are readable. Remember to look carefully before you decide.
8:09
